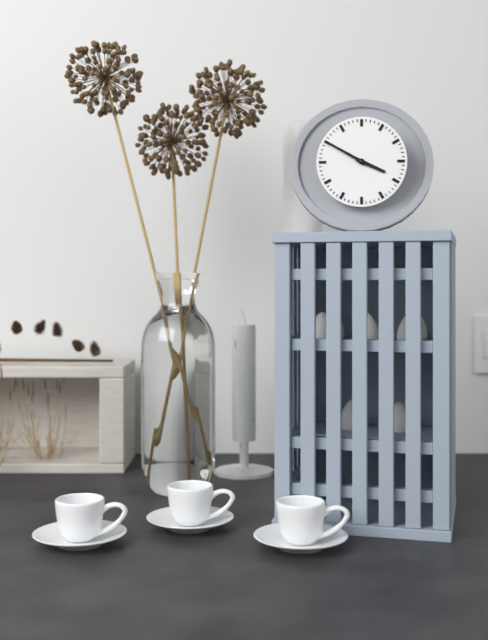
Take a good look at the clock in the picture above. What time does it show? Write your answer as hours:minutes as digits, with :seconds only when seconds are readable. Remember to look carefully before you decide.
3:50
